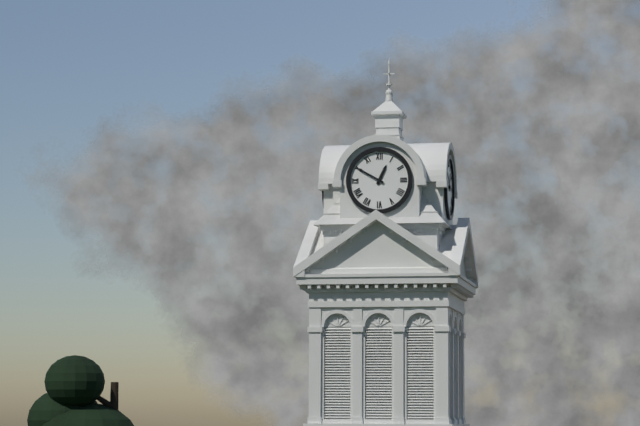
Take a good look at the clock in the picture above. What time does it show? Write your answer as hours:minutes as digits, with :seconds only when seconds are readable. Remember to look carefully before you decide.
12:50
